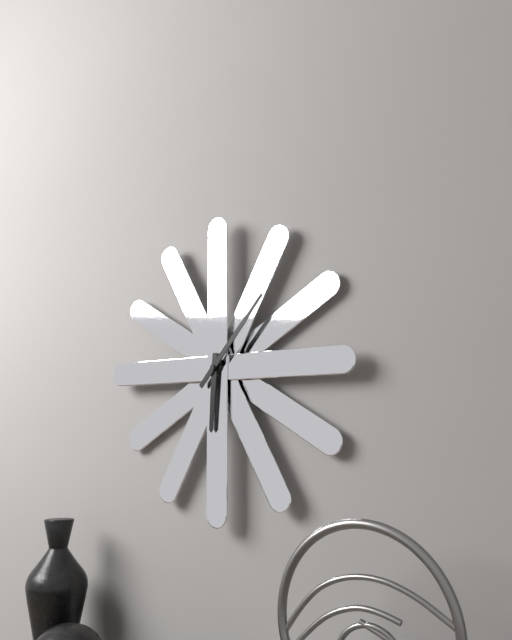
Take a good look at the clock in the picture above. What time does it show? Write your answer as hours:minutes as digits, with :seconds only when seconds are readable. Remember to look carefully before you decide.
6:07
